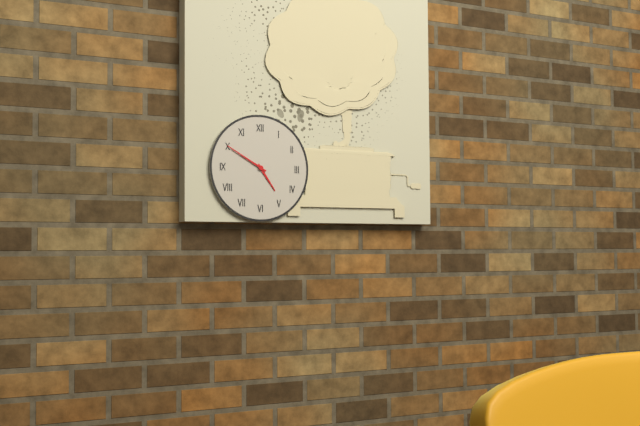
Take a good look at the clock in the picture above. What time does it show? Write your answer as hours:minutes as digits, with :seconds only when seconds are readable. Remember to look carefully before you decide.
4:50
